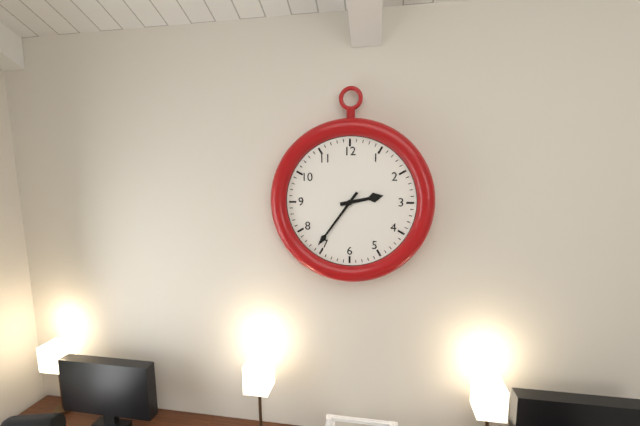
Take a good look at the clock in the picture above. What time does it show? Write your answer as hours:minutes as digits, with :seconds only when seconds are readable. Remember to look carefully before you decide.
2:36
